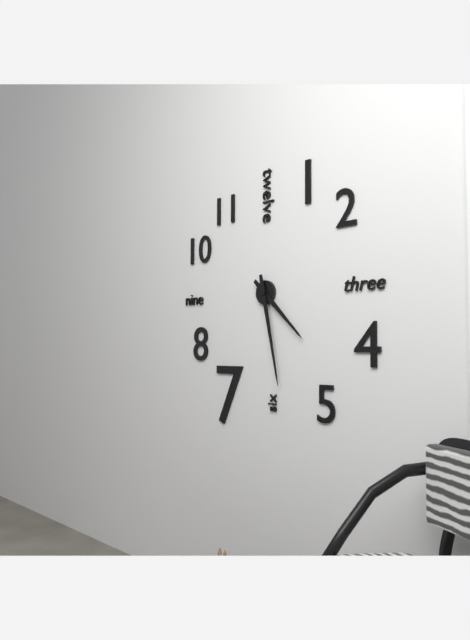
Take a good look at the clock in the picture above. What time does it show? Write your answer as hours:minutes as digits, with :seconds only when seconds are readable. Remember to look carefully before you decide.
4:28
